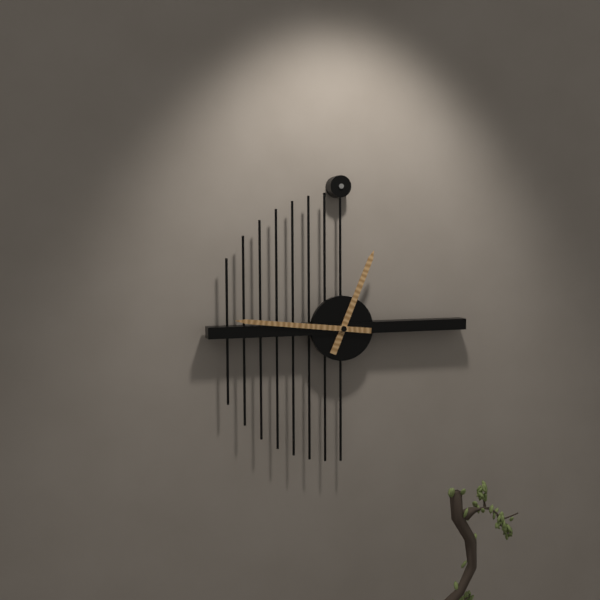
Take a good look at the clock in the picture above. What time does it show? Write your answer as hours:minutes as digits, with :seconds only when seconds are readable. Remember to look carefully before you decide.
12:46
